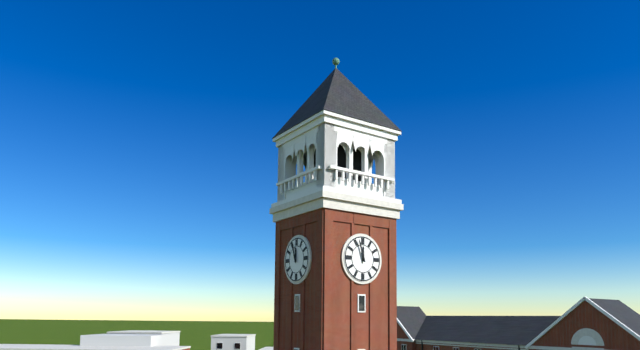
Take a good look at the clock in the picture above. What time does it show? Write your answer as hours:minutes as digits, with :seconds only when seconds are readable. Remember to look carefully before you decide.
11:57
